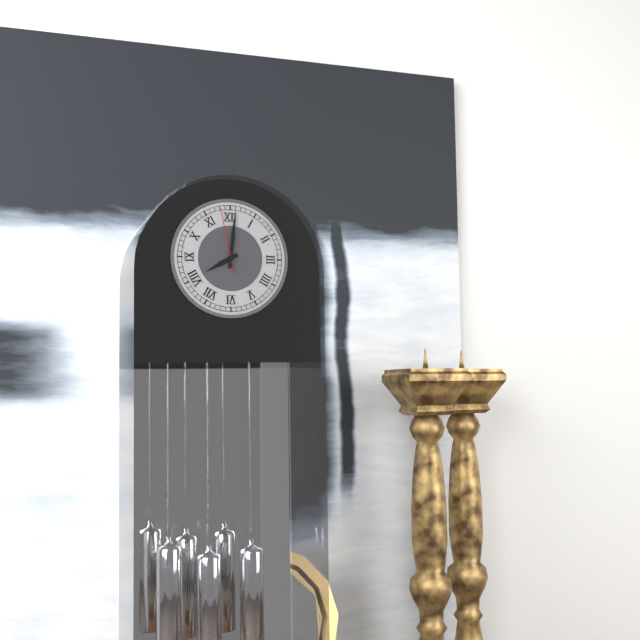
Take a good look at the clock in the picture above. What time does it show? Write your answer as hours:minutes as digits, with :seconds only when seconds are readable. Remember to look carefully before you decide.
8:01:58
